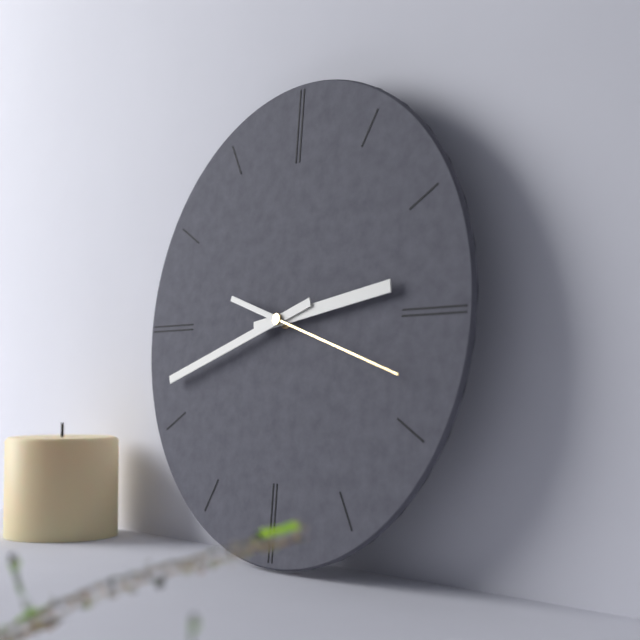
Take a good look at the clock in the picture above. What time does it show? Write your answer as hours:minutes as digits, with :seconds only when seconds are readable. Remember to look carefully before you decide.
2:42:18
